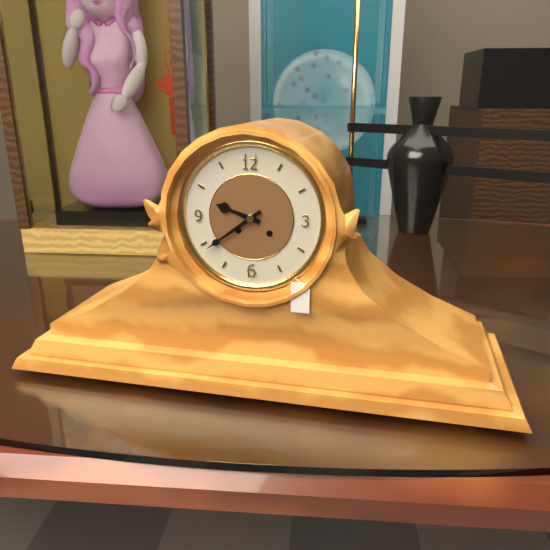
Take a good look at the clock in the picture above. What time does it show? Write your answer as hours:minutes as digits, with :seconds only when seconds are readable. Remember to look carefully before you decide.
9:39
